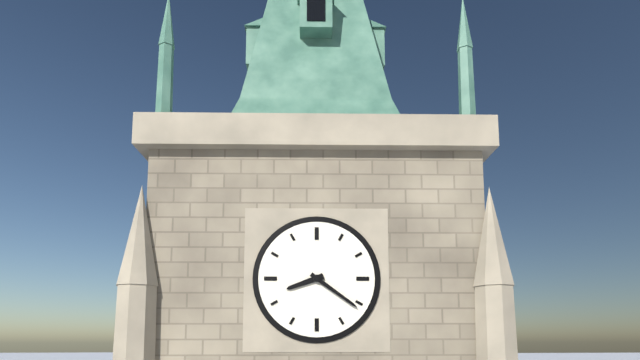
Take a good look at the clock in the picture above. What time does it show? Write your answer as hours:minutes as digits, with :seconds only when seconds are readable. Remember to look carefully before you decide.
8:21
